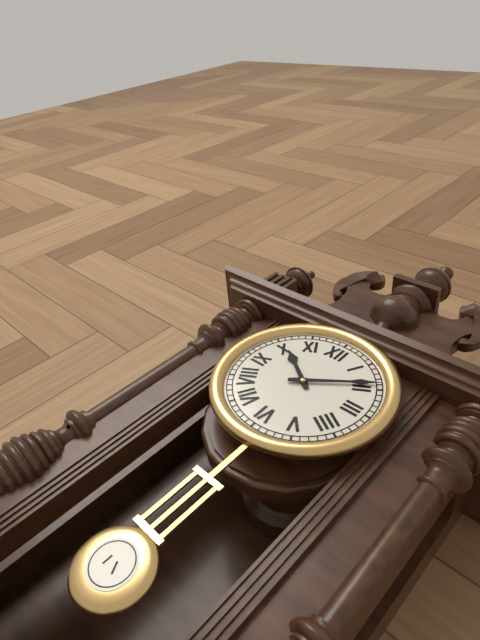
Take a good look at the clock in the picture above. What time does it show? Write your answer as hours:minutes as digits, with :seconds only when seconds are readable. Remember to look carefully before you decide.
10:09
